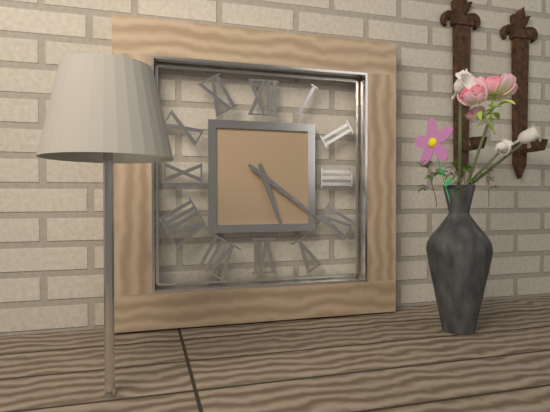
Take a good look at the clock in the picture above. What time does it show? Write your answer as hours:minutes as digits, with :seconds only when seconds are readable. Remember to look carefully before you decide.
5:21
